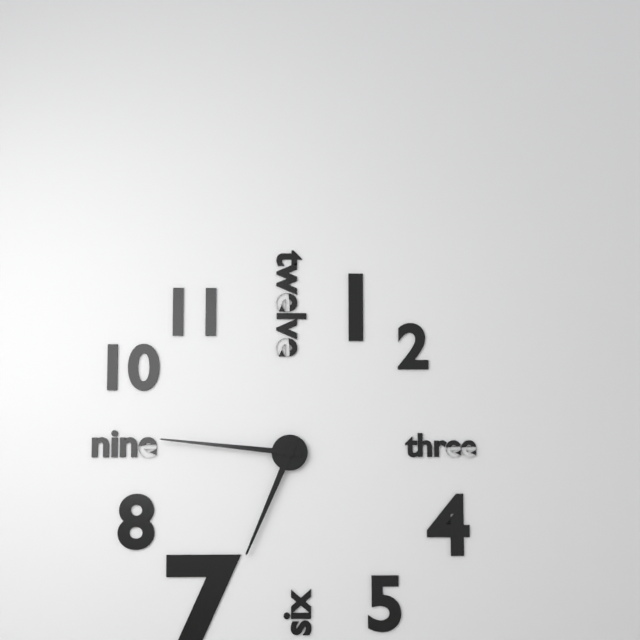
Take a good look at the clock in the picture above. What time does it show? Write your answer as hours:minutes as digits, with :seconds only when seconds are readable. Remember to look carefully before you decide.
6:46
